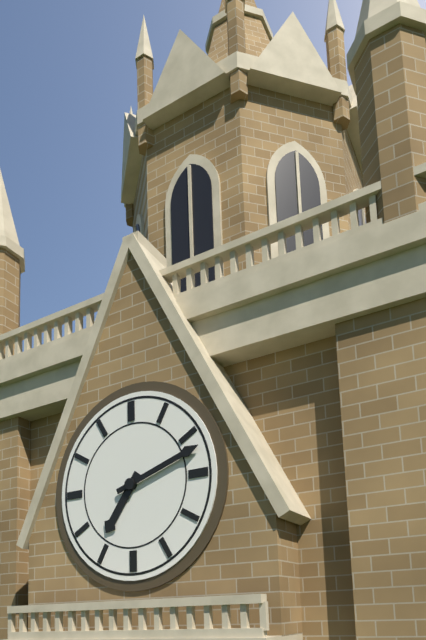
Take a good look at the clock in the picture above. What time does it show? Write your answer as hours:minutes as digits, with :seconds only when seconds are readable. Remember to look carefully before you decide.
7:12
